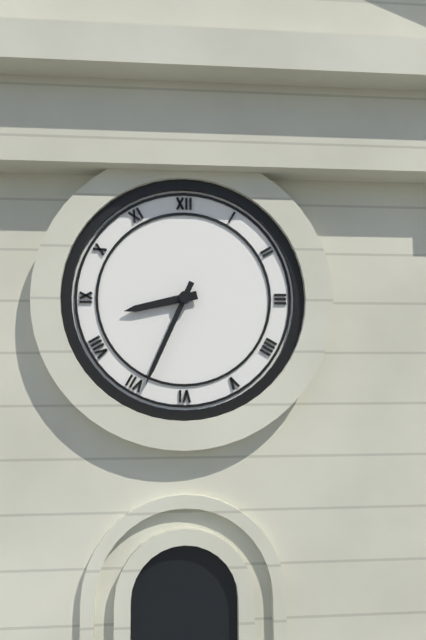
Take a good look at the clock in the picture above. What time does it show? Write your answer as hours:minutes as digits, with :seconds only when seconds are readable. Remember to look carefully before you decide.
8:34
